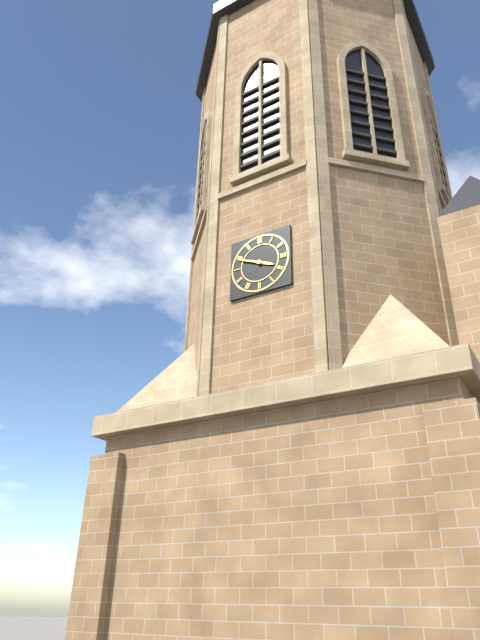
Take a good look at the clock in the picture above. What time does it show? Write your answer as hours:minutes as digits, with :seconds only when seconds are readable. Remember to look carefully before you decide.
3:49
